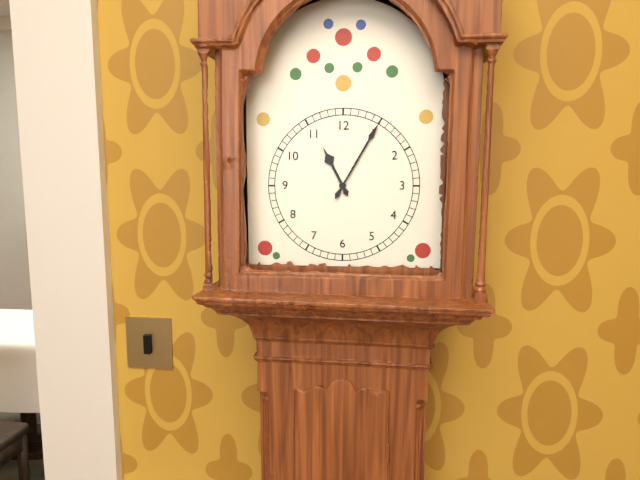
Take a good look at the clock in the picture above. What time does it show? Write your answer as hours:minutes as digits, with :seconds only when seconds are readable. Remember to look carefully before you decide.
11:05
